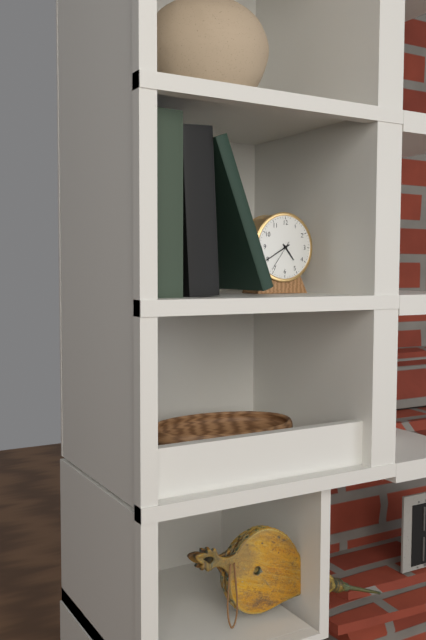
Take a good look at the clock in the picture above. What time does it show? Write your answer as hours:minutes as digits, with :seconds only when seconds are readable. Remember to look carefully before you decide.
4:40
